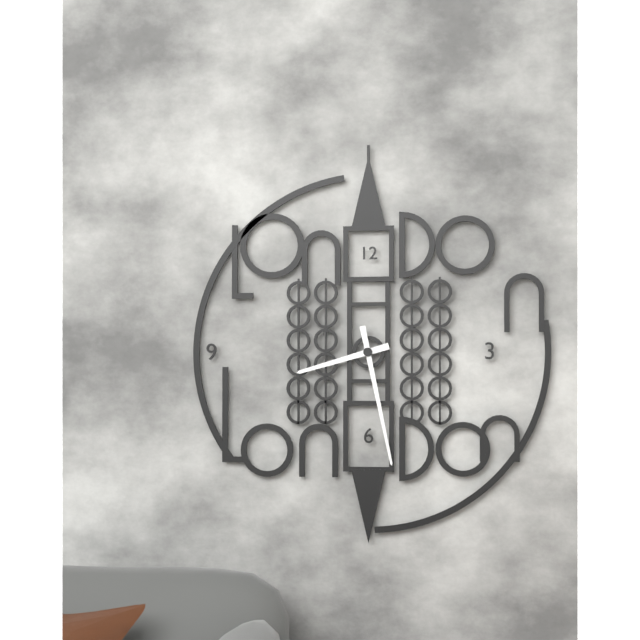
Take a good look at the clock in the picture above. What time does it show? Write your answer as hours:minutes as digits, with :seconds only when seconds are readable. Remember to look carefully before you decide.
8:28
